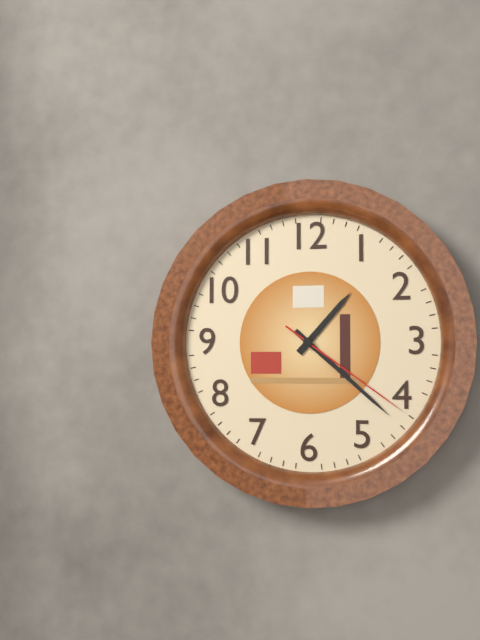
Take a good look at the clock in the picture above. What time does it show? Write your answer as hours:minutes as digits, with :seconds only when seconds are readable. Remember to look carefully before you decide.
1:22:21
